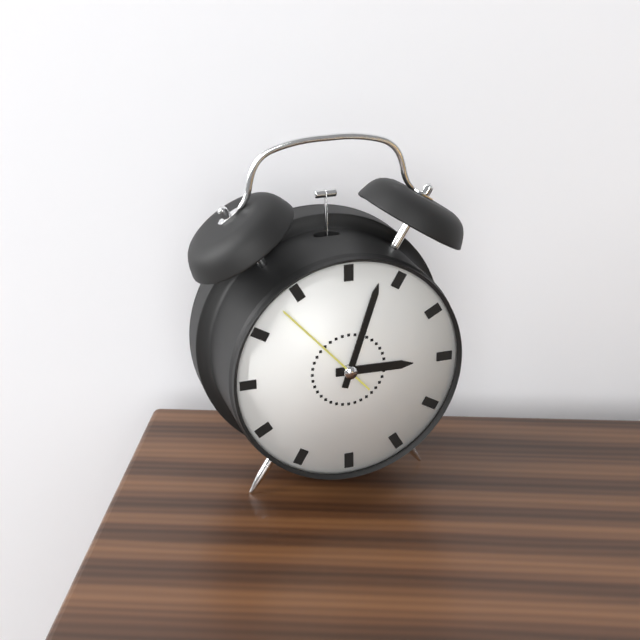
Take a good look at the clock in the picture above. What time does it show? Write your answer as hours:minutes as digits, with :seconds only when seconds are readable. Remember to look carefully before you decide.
3:03:53
